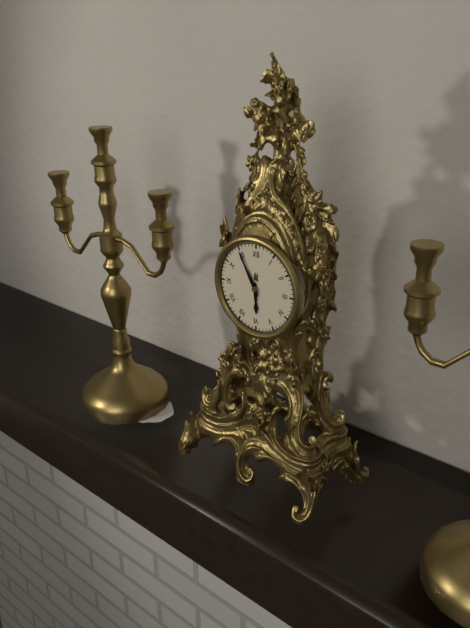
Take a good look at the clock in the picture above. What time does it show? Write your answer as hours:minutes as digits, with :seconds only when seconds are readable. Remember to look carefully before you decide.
5:55
